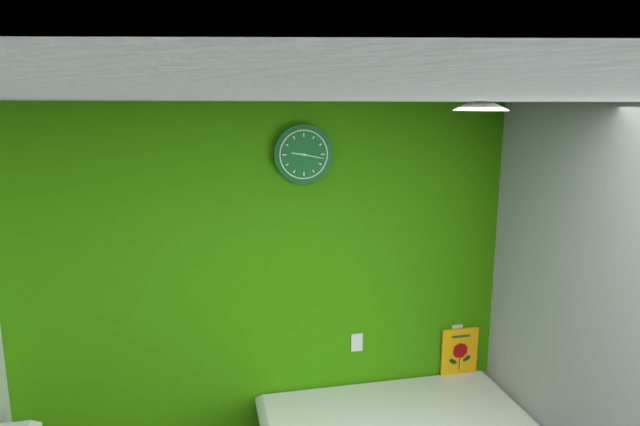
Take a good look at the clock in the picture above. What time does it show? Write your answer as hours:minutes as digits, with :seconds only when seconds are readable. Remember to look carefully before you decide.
9:17
